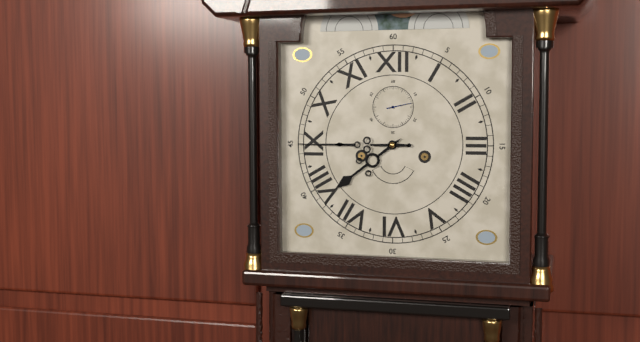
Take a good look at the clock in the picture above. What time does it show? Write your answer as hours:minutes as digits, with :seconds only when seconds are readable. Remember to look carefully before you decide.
7:45
